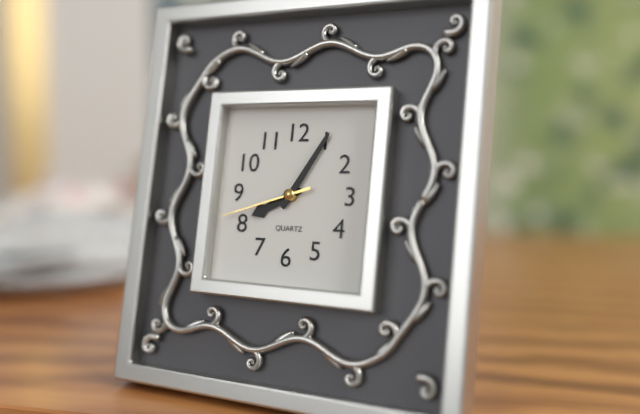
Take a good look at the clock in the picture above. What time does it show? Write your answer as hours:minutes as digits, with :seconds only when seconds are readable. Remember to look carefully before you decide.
8:05:42
